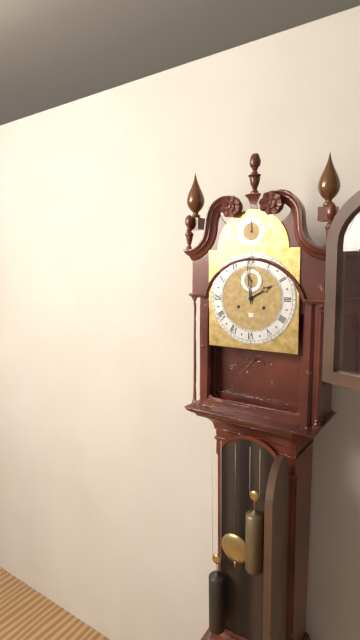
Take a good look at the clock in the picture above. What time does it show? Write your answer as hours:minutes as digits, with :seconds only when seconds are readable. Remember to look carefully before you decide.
1:59
